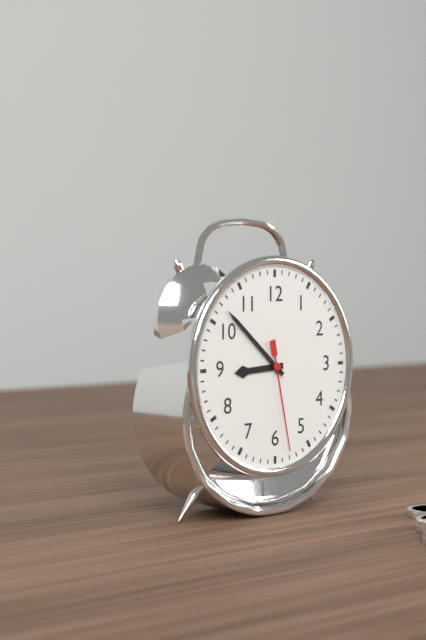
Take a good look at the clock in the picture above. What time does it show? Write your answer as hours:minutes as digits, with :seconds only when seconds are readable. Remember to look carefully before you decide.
8:52:28
